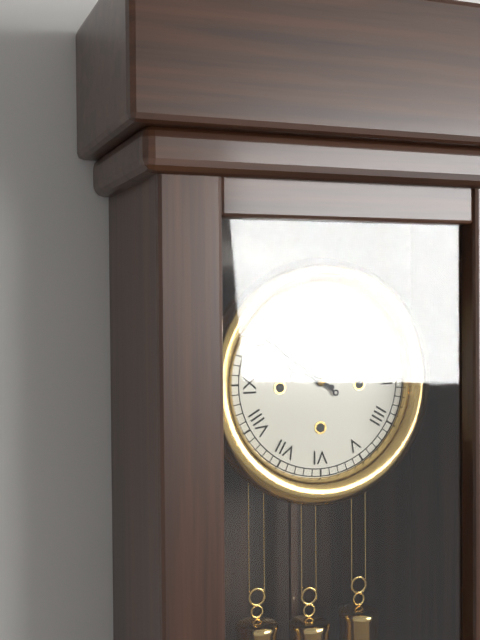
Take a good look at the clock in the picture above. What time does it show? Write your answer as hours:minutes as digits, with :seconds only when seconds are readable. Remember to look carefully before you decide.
9:51
